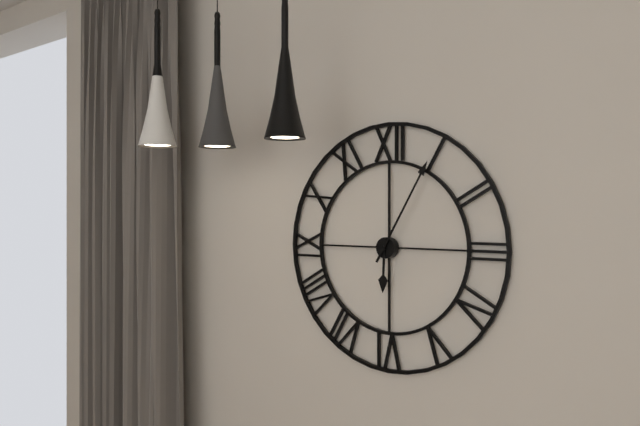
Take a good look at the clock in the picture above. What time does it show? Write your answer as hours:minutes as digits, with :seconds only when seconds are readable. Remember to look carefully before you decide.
6:05
